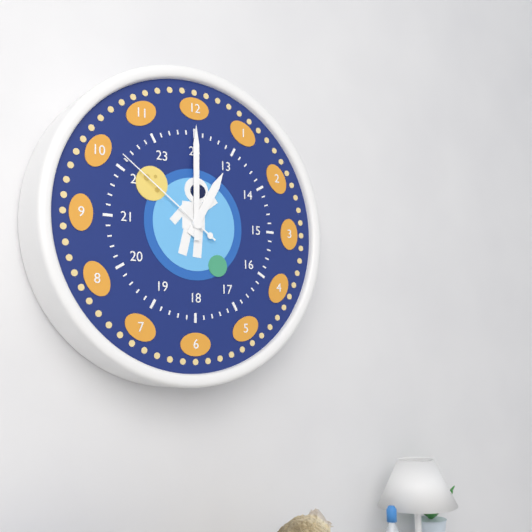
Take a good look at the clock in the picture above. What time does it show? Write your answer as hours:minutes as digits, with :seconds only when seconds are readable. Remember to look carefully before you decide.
1:00:51
